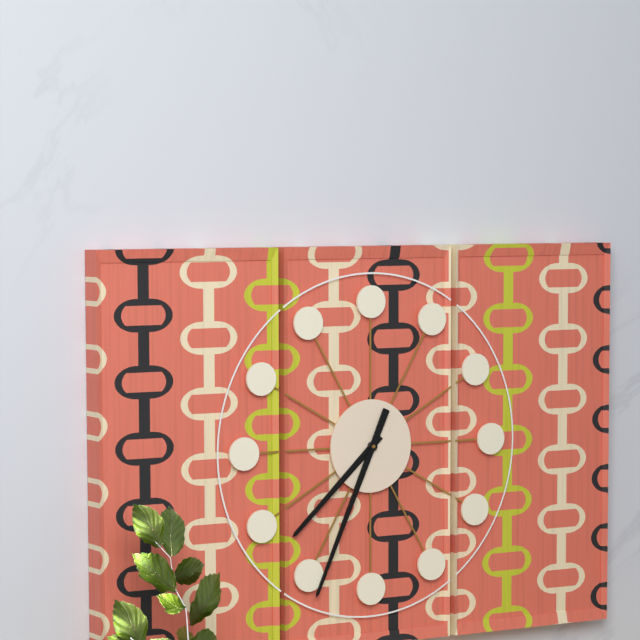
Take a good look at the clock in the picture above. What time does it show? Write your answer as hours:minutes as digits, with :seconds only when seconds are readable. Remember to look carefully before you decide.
7:34
